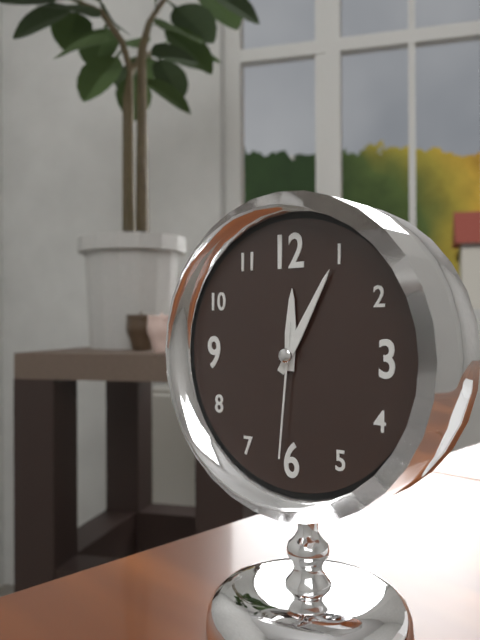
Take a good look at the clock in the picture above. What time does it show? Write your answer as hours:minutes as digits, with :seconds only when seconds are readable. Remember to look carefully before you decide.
12:05:31
